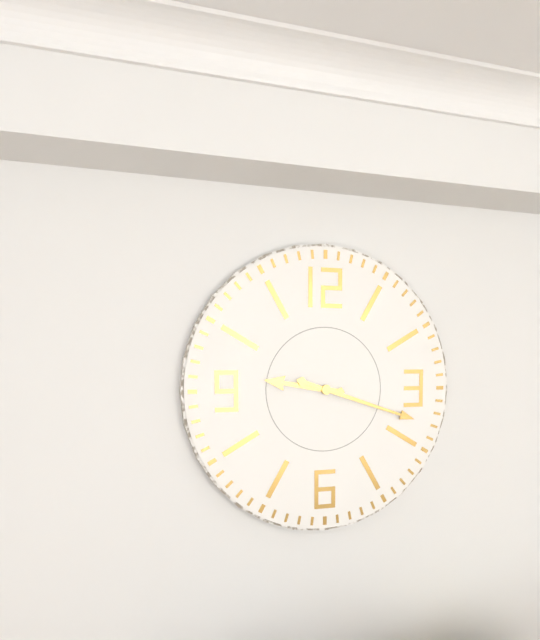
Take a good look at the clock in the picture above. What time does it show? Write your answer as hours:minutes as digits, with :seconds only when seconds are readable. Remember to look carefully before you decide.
9:18
